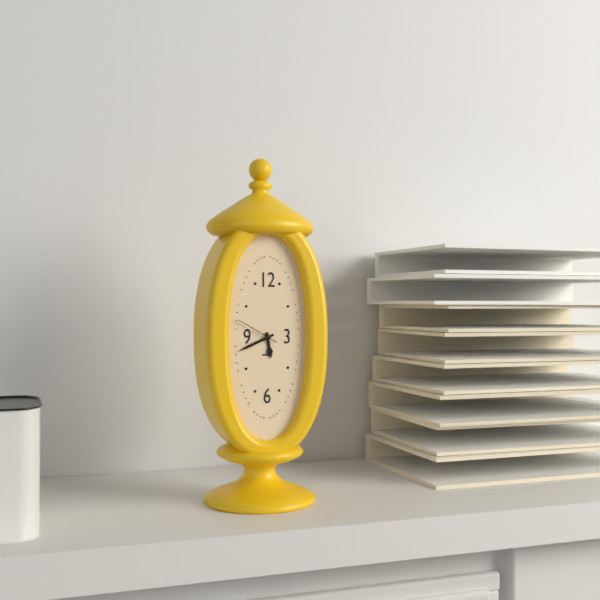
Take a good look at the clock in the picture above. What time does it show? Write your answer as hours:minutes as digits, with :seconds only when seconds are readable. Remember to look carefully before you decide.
5:41
